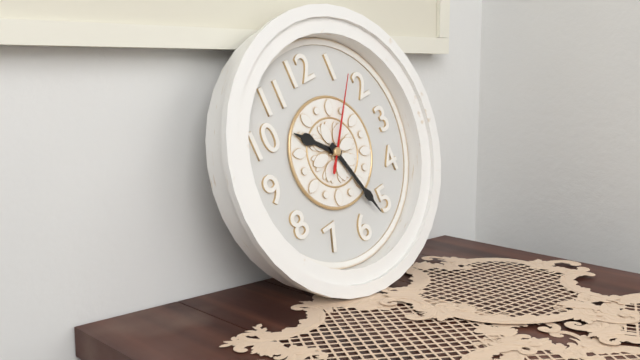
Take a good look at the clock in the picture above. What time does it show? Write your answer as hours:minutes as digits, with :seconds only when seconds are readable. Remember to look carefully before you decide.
10:27:07
